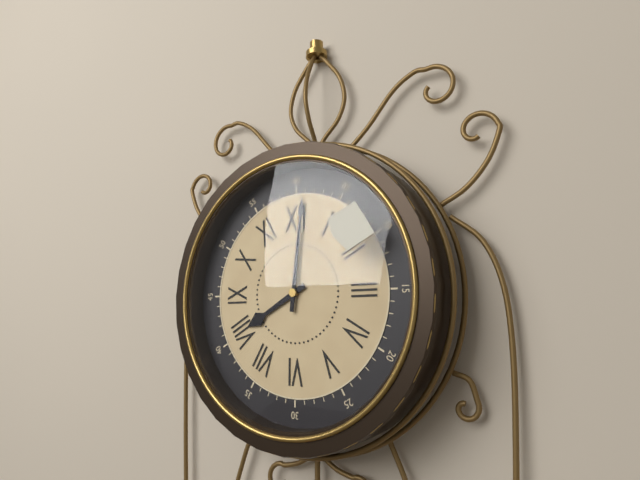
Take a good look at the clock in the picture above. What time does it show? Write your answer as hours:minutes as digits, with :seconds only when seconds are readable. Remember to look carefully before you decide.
8:01
